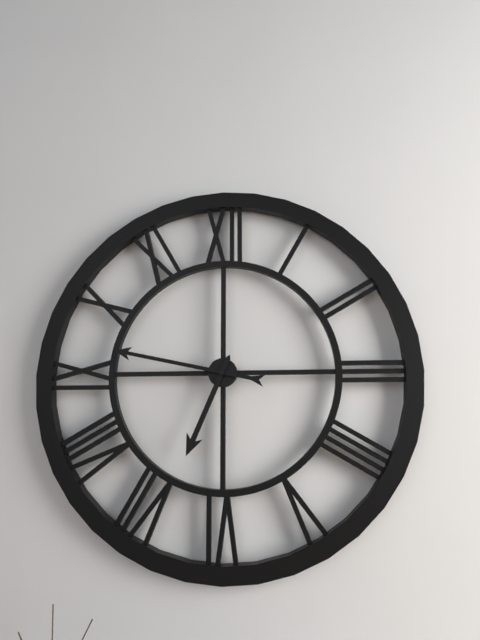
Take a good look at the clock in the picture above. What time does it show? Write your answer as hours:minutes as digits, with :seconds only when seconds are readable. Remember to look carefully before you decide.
6:47
